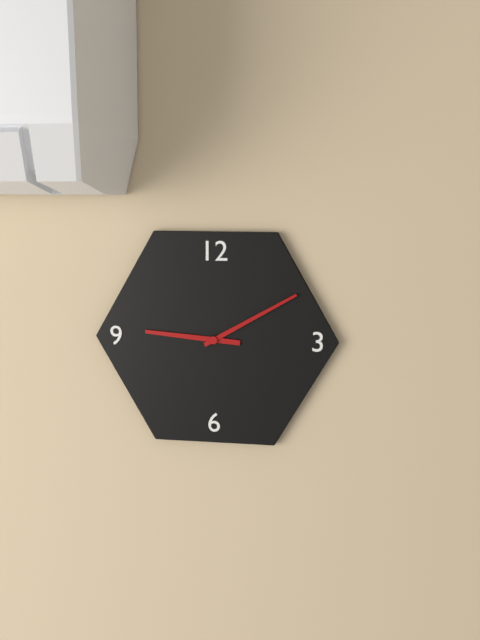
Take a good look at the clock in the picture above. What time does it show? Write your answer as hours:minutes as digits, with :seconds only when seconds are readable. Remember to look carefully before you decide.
9:10
